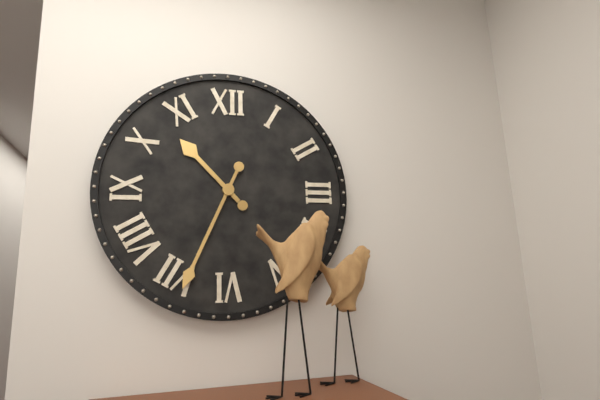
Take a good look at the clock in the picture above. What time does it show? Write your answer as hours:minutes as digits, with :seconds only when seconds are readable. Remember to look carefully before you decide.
10:34
